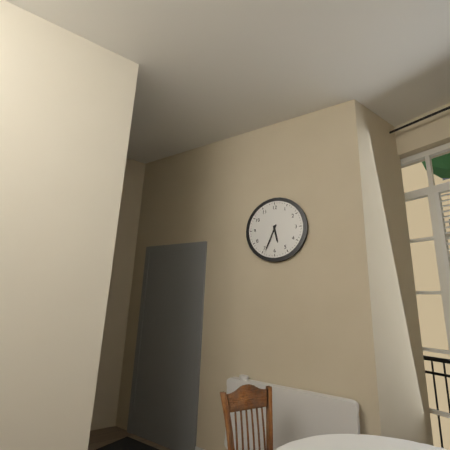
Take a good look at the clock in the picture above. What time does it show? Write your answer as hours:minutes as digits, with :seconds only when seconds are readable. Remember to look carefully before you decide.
5:34
